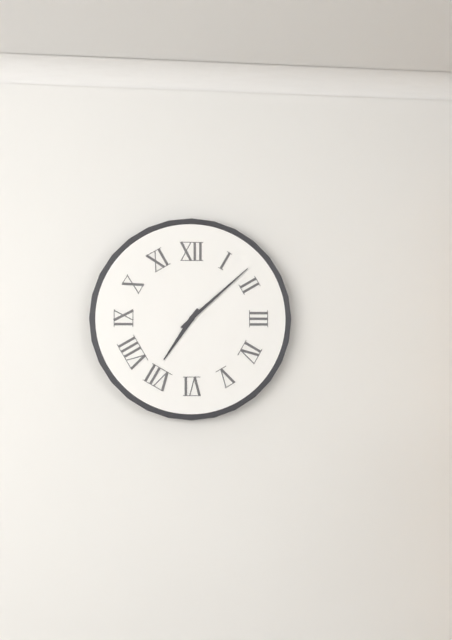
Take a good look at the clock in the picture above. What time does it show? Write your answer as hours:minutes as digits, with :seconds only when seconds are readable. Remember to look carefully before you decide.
7:08
